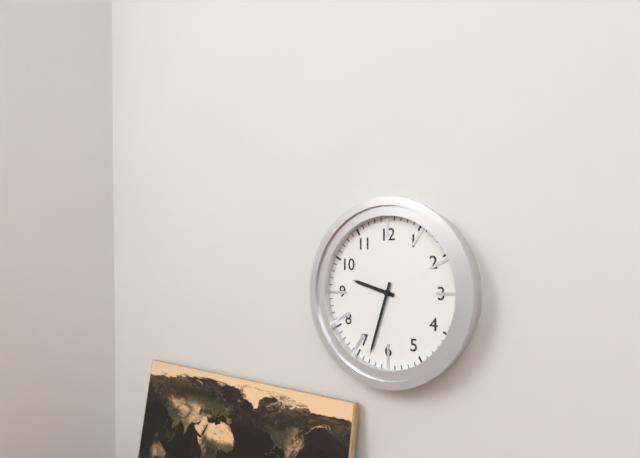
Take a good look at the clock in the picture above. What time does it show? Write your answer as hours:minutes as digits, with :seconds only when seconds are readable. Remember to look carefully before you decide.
9:33
